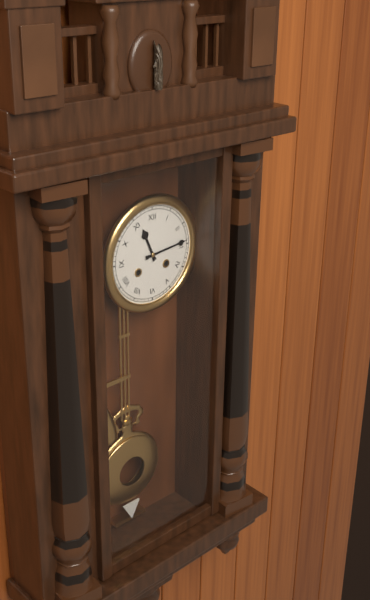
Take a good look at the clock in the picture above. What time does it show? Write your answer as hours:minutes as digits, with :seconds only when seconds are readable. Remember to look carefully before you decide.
11:14
